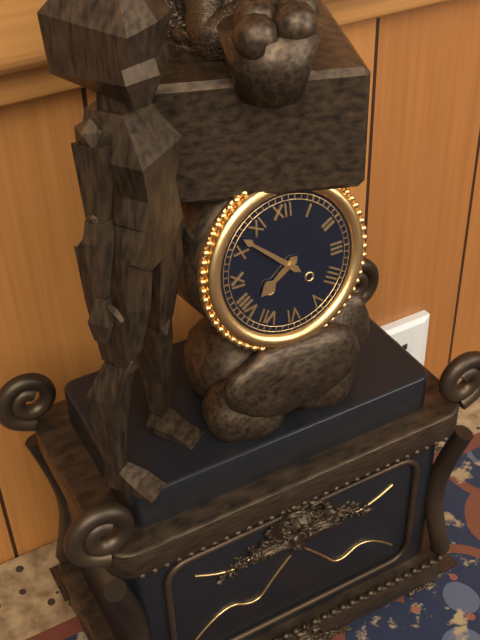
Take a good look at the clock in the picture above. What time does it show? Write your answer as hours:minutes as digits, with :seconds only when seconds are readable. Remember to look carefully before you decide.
7:52
